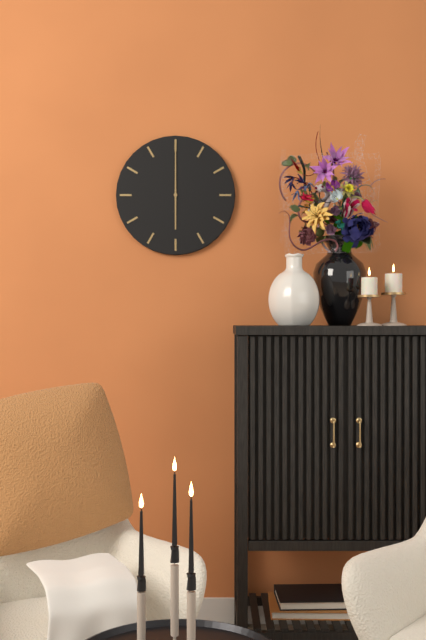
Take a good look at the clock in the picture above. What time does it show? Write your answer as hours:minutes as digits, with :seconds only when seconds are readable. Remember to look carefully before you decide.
6:00
